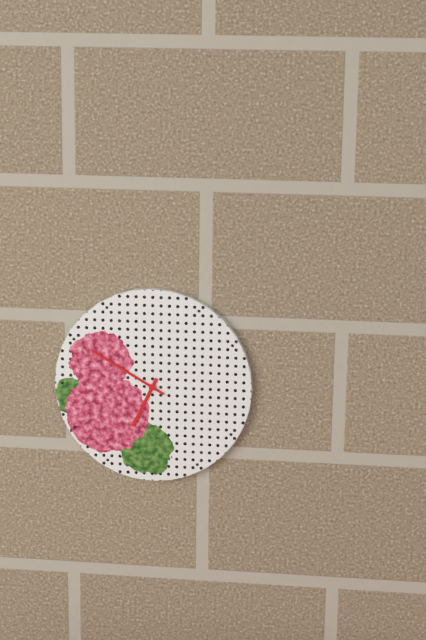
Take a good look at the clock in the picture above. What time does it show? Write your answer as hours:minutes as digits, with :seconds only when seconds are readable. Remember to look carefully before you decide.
6:50
